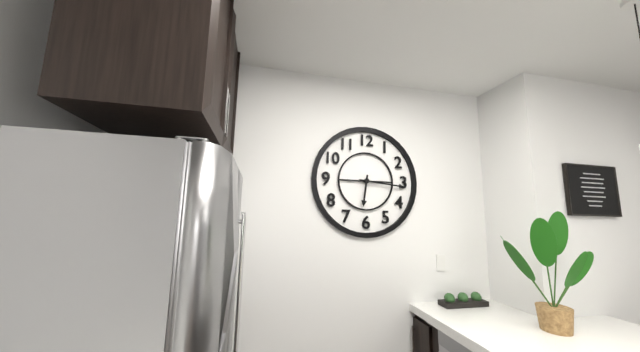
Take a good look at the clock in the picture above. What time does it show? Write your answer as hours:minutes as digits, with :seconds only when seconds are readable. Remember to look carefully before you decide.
6:16
